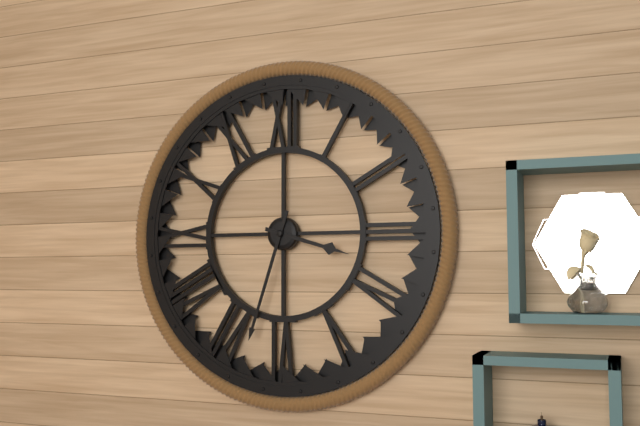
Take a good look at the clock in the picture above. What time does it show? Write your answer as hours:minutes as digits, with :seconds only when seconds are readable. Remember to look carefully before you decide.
3:33
